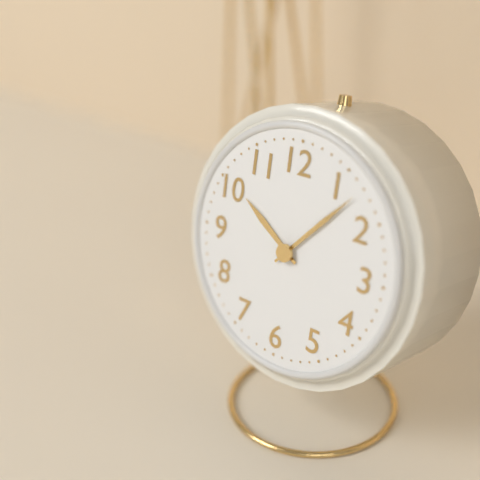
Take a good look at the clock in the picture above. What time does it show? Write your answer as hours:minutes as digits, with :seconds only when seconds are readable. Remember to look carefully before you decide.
10:07
